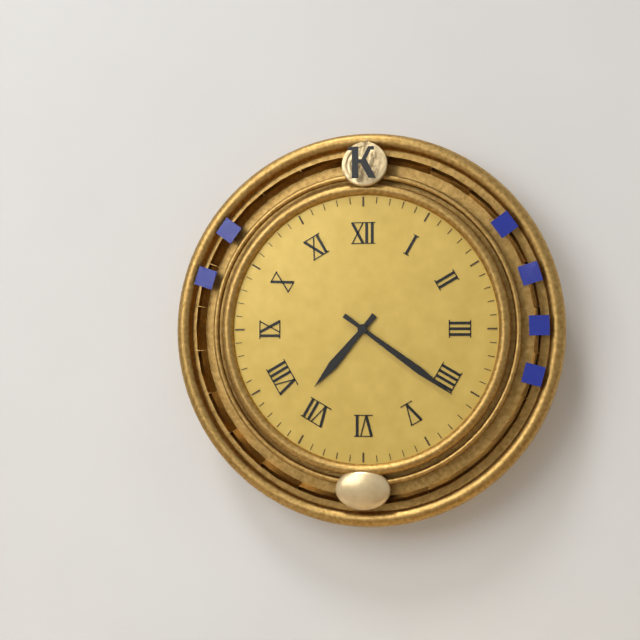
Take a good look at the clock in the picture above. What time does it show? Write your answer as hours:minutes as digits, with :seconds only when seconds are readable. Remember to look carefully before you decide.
7:21
